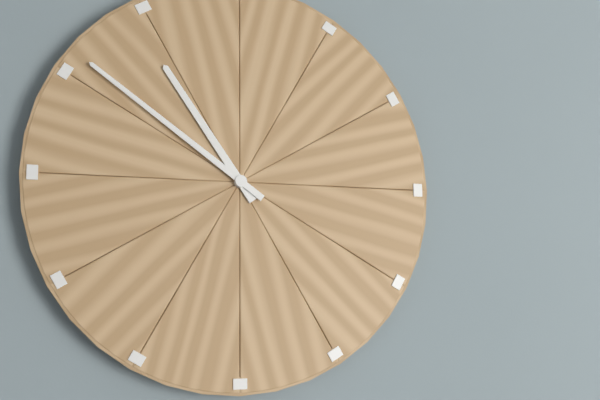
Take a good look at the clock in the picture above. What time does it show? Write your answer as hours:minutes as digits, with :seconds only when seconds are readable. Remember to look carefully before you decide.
10:51
